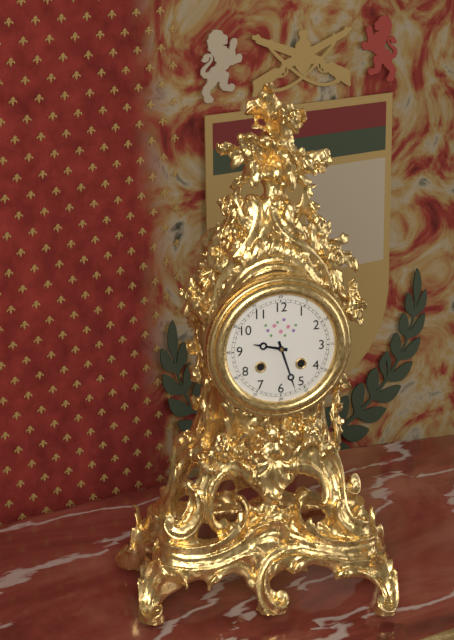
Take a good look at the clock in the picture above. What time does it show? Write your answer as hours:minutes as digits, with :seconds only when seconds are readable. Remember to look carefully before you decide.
9:27
